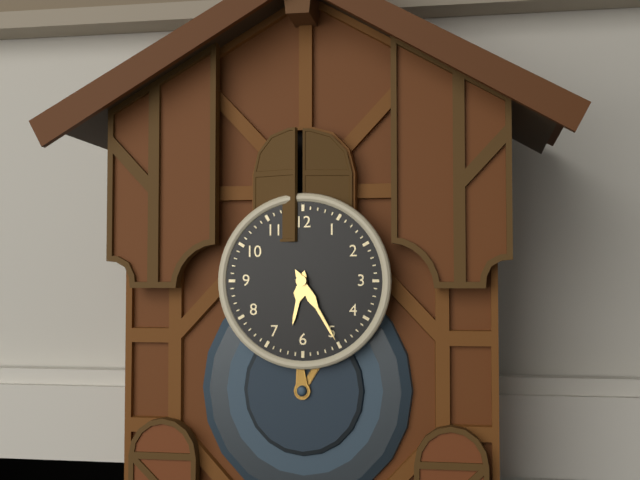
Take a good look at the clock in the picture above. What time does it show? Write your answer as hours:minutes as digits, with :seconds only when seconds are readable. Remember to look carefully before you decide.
6:25
